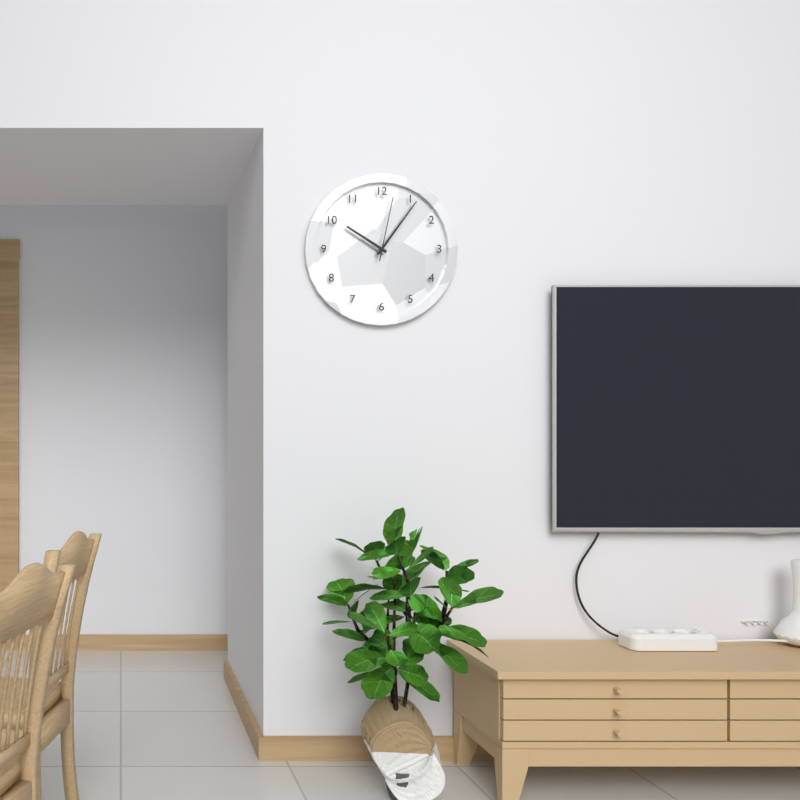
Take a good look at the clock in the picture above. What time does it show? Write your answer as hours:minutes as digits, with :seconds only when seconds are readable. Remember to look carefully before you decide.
10:06:02
